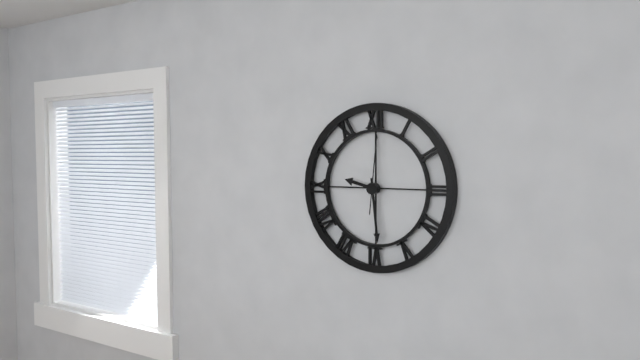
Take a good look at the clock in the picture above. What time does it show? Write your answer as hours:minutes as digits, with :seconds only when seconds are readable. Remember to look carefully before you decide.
9:29:01
